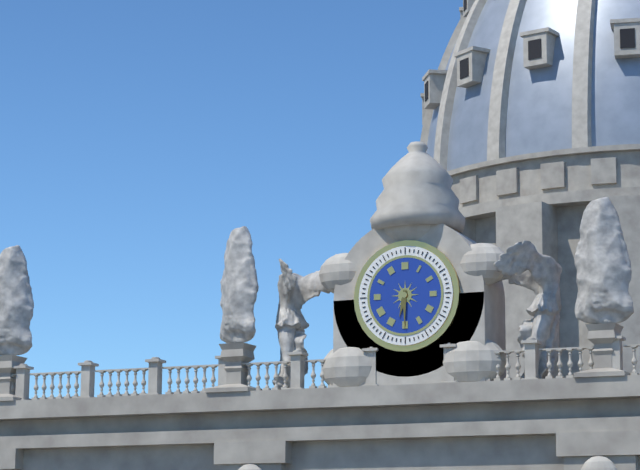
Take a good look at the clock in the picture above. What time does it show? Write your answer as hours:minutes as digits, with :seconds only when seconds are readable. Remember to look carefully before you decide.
6:30
